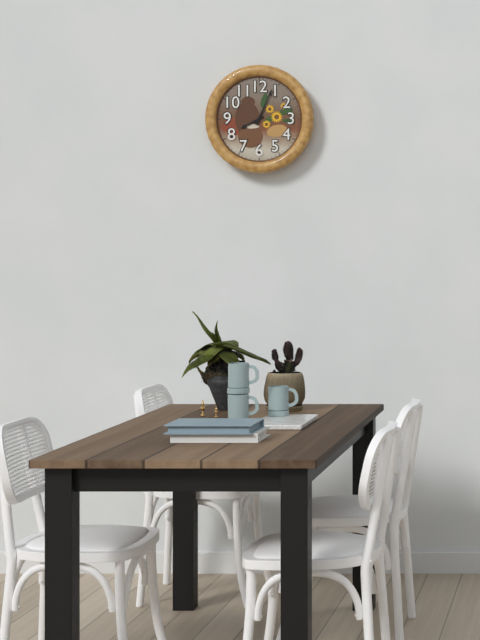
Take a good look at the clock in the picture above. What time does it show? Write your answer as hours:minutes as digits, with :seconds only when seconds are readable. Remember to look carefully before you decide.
8:04
